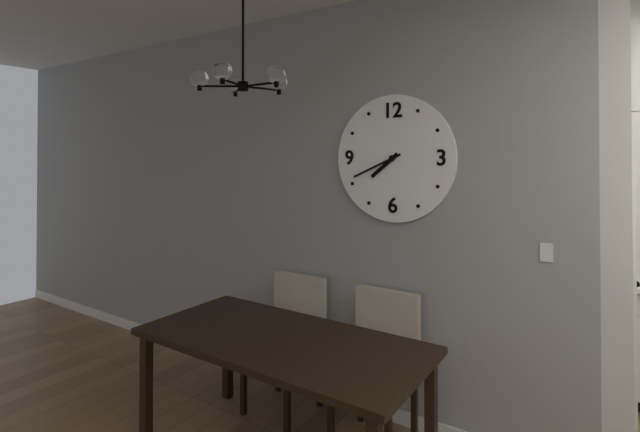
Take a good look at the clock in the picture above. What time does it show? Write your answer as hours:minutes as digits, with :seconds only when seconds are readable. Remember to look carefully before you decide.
7:41
